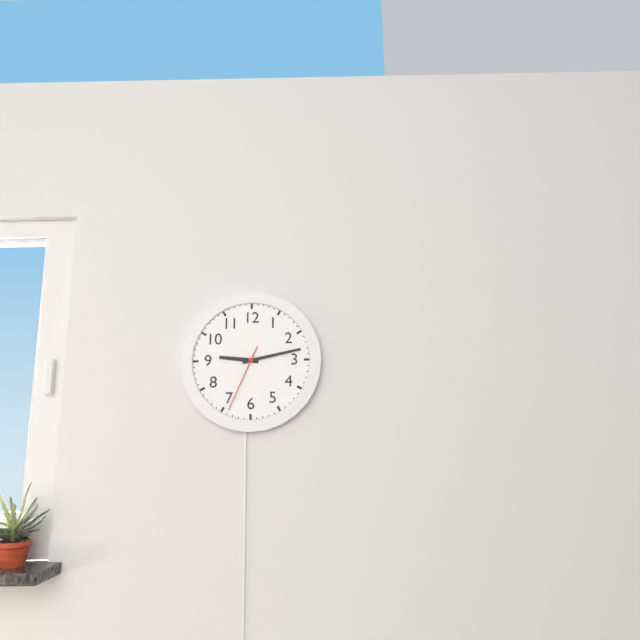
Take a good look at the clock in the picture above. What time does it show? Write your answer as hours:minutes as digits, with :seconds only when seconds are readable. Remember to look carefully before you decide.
9:13:34
